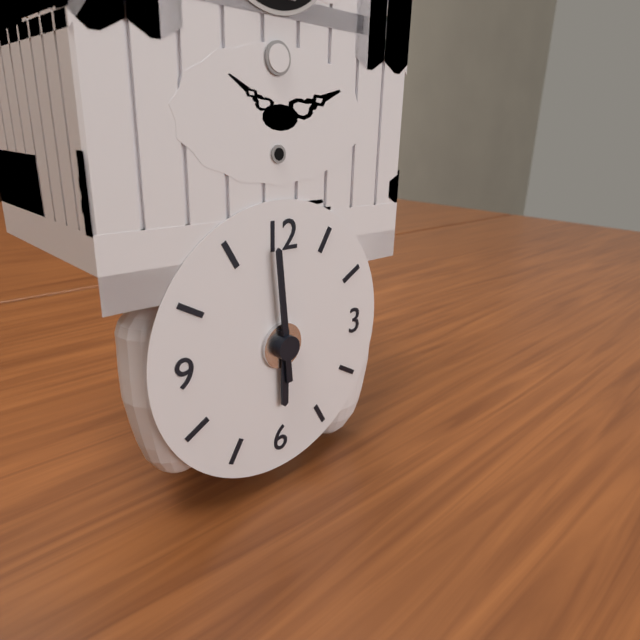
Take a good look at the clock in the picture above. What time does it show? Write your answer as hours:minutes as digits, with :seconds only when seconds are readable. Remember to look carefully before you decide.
5:59
